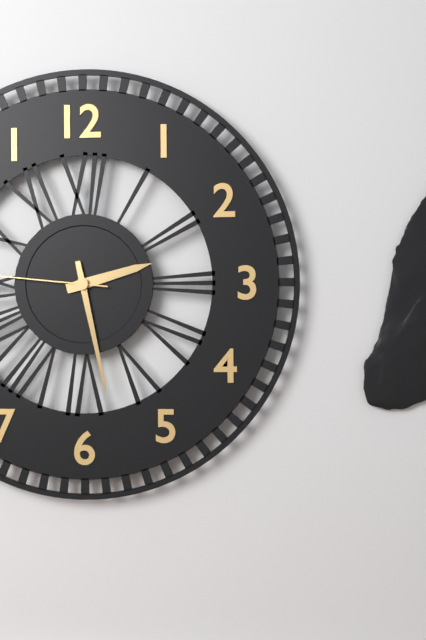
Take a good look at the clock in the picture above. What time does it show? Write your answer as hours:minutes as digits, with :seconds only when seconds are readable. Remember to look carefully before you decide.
2:28:46
